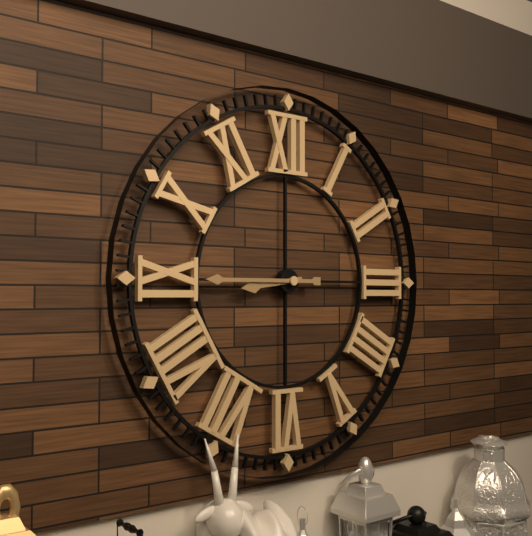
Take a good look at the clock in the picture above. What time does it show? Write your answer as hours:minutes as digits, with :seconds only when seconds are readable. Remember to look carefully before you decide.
8:45
